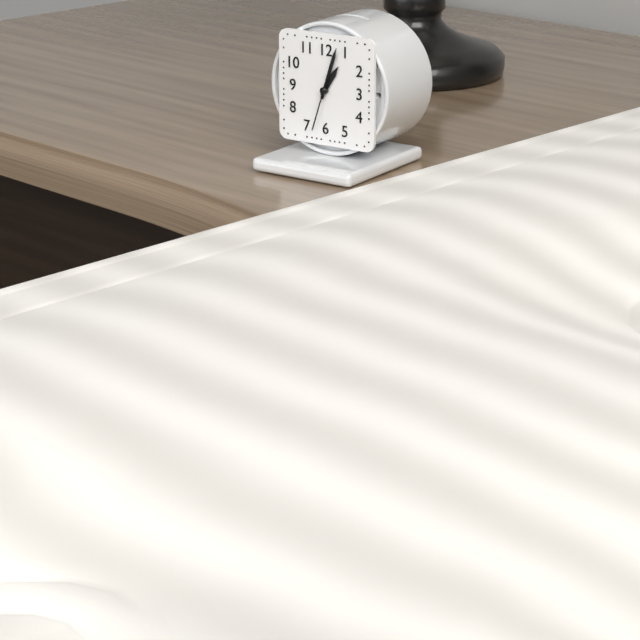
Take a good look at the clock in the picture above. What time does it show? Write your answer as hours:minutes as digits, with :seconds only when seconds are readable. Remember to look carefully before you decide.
1:03:33
